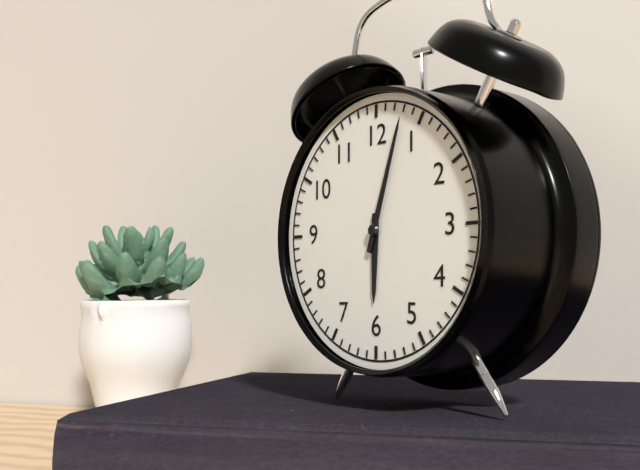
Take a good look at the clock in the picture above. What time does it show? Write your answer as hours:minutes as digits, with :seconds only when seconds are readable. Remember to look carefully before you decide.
6:03
